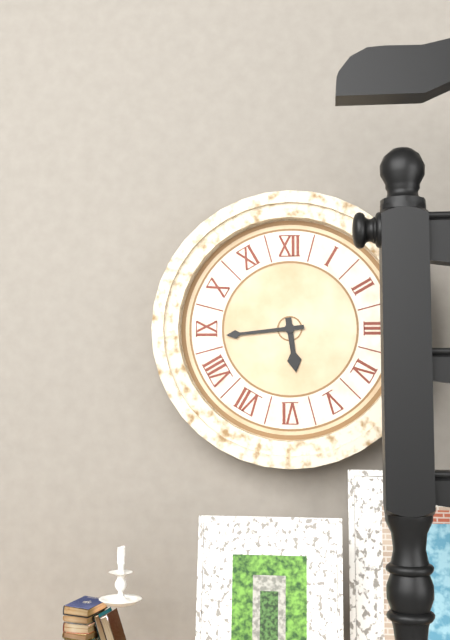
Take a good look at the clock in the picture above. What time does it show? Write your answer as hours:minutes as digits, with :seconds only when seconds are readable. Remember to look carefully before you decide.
5:44
